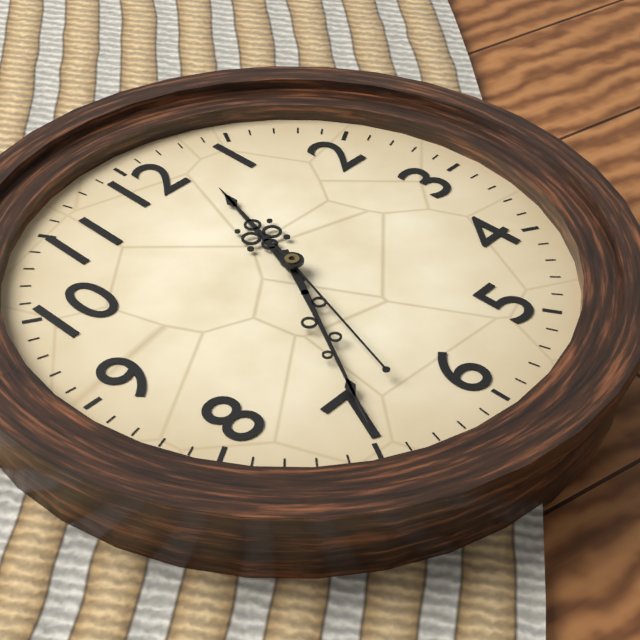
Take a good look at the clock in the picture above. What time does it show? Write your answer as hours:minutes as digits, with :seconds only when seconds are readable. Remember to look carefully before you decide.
12:35:33
